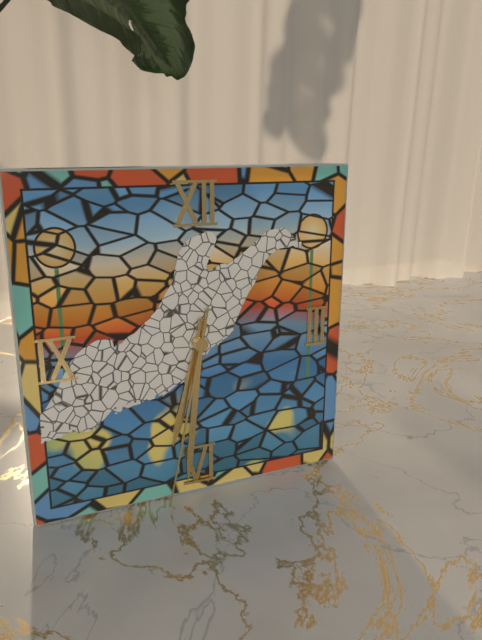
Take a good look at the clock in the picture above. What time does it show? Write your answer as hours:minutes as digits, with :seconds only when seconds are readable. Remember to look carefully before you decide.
6:31:32
